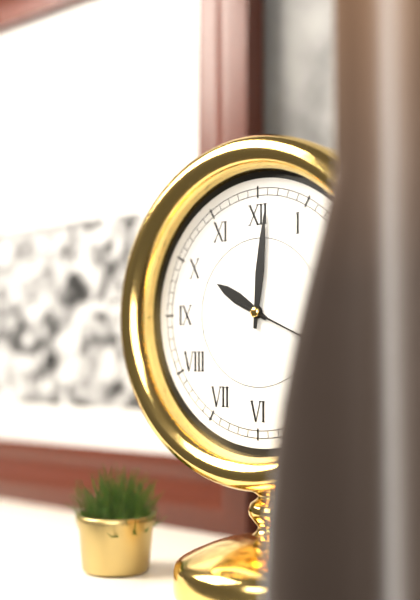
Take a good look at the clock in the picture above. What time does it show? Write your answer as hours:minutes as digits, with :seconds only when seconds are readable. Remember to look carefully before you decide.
10:01
